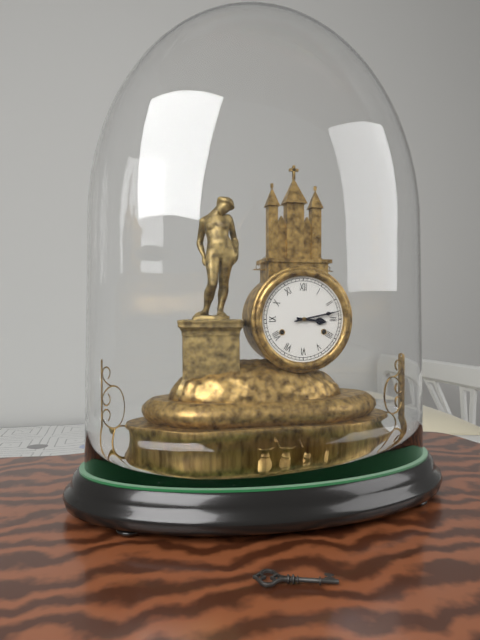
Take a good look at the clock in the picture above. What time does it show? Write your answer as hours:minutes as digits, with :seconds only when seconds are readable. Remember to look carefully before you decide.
3:13
